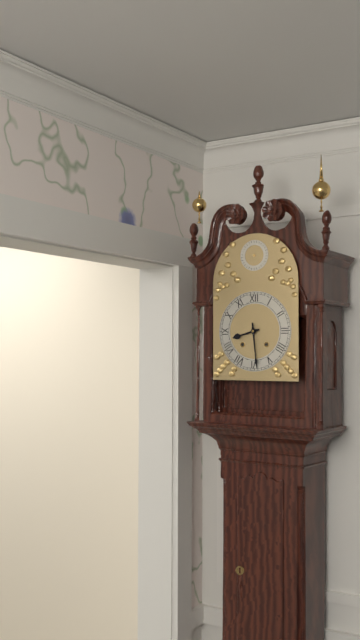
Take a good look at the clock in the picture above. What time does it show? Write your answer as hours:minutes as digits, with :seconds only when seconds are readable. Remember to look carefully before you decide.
8:29
